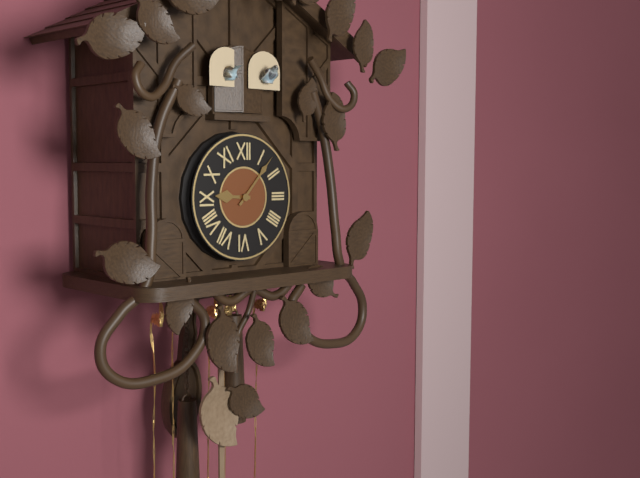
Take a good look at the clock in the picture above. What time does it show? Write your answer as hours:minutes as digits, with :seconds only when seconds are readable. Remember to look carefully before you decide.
9:07
